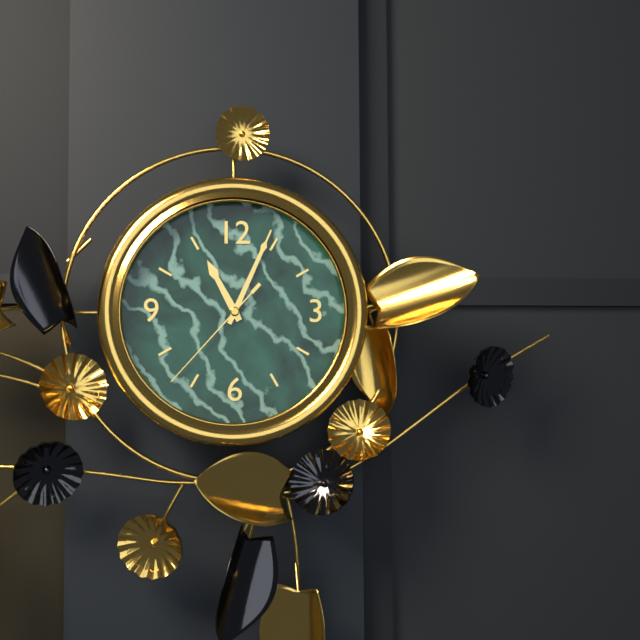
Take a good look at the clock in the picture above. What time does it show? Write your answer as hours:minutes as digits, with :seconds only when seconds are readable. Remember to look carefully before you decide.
11:04:37
